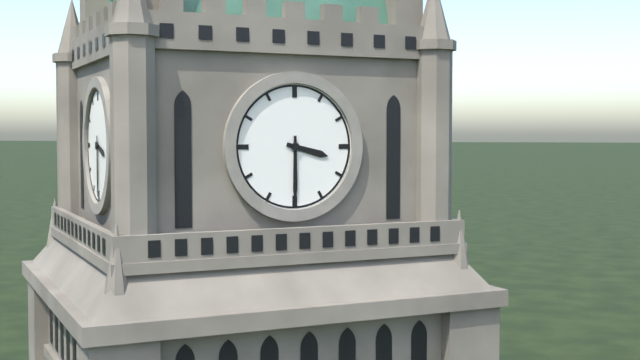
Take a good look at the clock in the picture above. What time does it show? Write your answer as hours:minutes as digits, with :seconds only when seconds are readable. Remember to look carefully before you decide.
3:30
